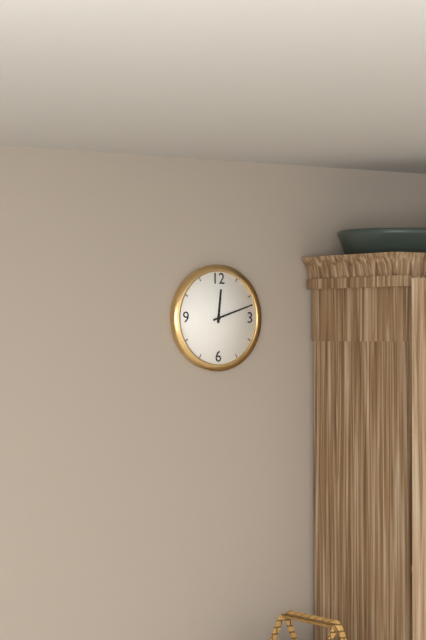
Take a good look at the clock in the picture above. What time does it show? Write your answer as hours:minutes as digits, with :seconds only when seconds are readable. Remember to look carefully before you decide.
12:12
